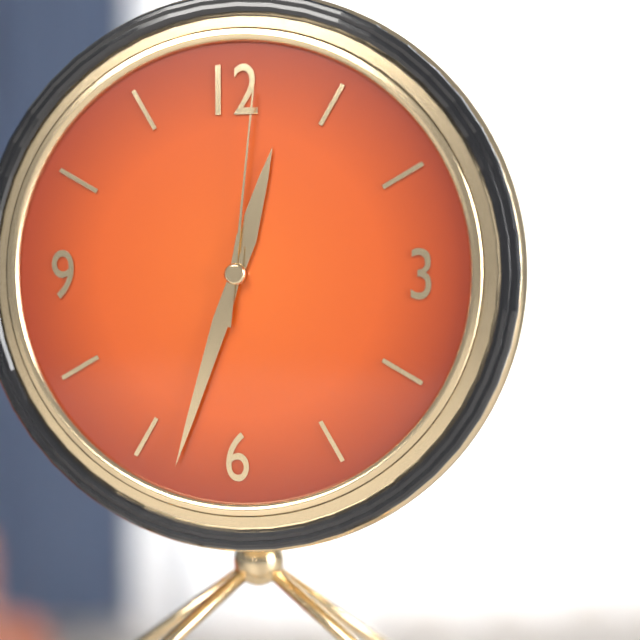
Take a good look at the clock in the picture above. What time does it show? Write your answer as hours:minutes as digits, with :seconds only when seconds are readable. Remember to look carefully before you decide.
12:33:01
